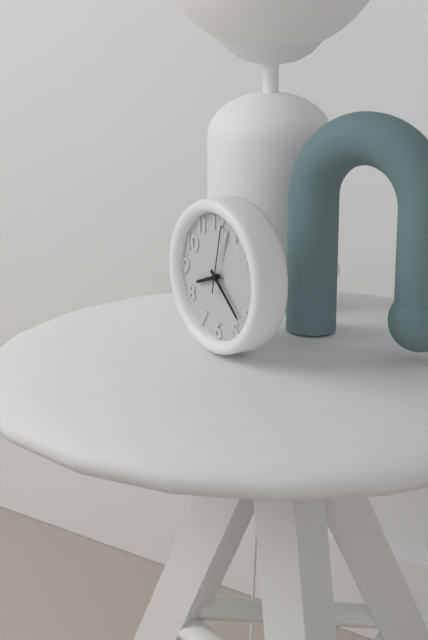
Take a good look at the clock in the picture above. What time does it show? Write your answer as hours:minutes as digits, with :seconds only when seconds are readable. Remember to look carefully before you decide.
8:22:02
